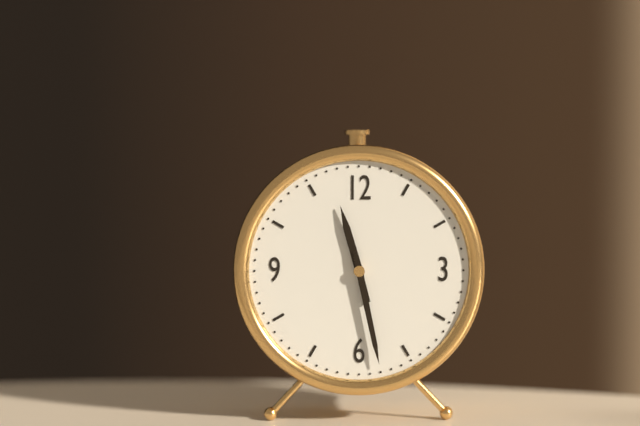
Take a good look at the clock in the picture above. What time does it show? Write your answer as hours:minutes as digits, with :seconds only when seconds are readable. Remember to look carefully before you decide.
11:28
